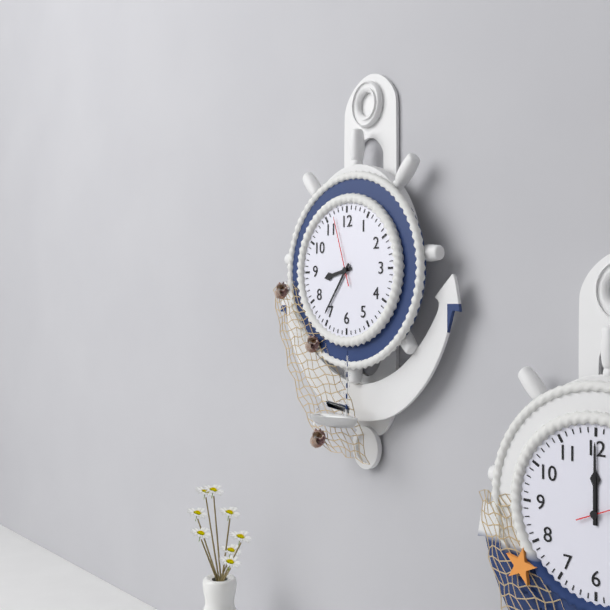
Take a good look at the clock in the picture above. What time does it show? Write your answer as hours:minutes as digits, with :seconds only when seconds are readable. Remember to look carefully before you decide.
8:36:57
